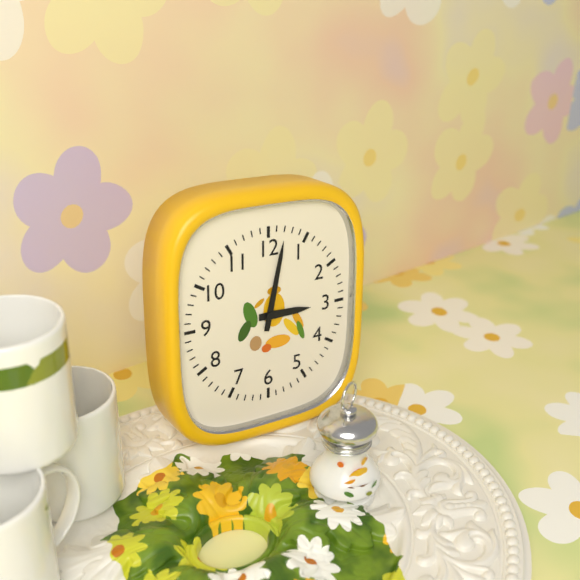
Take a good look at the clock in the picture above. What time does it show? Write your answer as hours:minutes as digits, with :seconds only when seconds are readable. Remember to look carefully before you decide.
3:02
